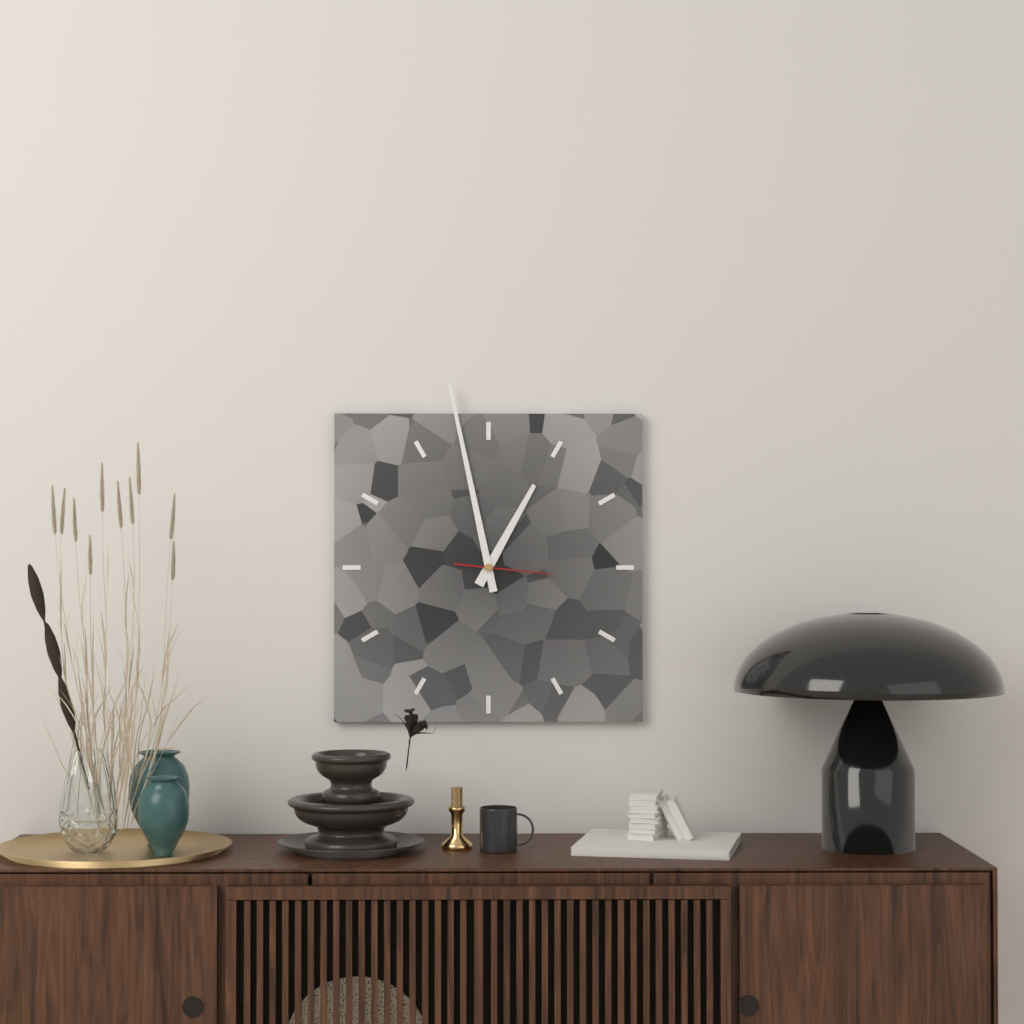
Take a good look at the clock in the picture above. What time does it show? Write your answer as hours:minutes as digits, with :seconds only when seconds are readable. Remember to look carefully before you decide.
12:58:16
